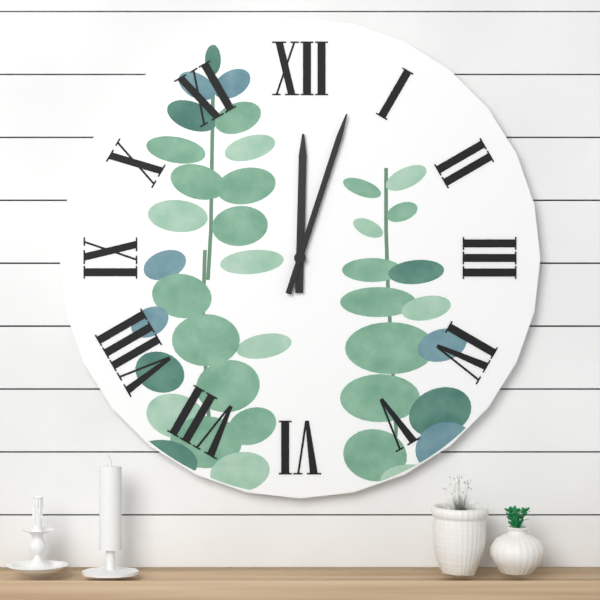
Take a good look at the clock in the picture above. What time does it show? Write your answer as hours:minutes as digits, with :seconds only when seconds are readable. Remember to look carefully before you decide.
12:03
